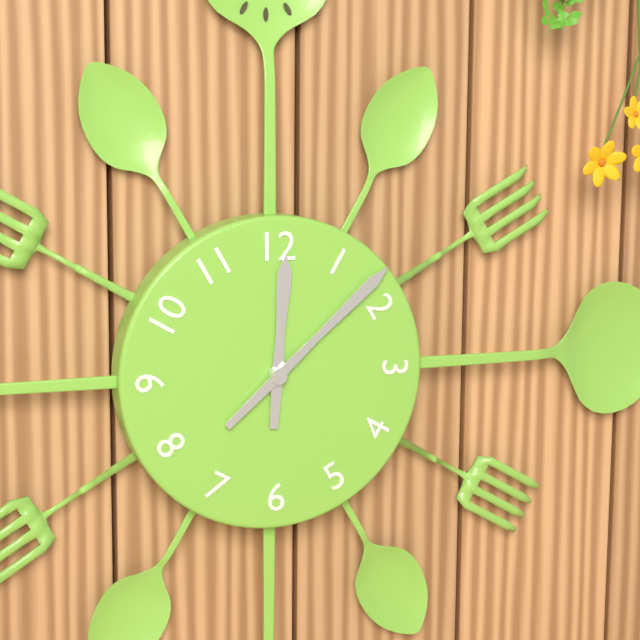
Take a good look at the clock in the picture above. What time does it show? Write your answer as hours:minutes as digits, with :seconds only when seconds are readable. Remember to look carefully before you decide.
12:08
